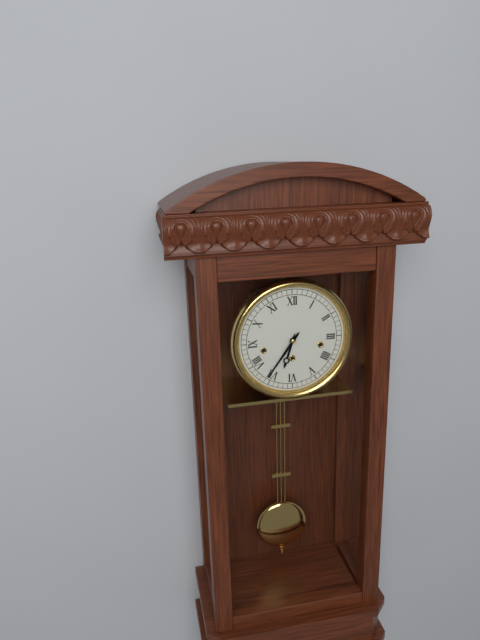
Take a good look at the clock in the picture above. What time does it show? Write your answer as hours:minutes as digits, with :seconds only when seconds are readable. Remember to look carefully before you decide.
6:36
